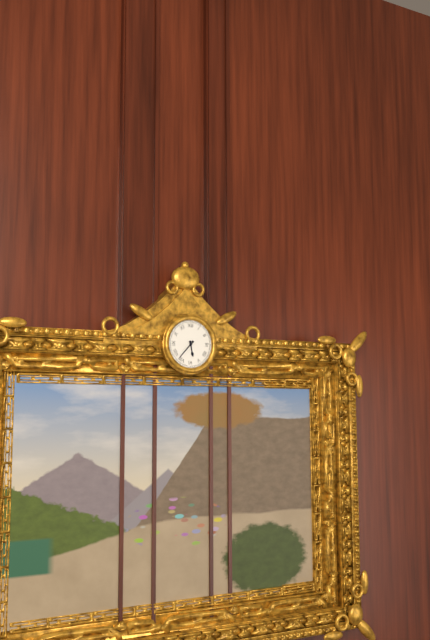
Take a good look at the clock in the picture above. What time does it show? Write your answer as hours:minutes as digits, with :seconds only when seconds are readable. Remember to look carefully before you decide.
5:37
